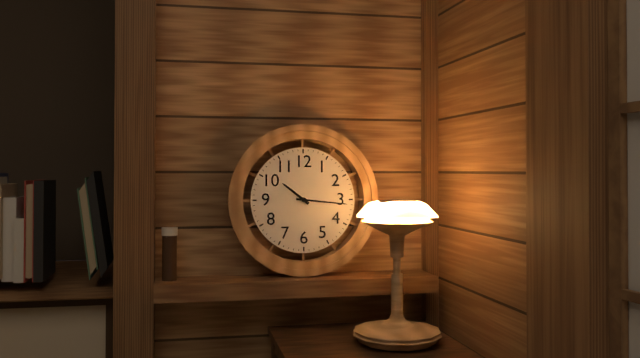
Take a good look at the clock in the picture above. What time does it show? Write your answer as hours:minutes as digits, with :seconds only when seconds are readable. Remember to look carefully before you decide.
10:16
